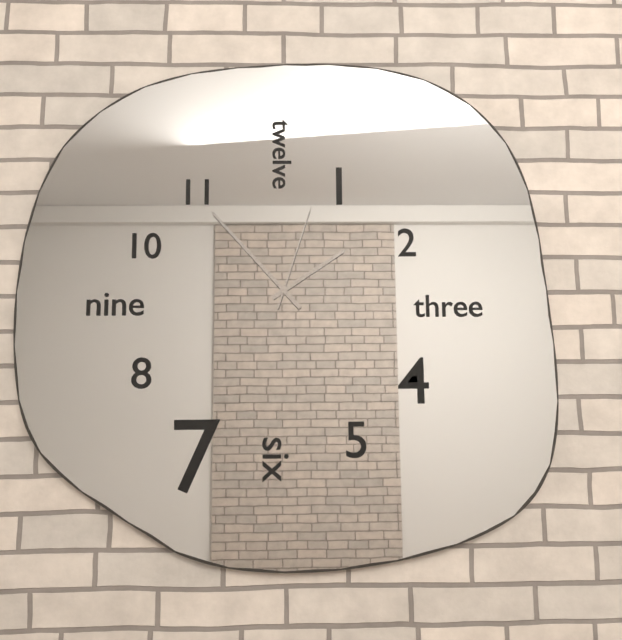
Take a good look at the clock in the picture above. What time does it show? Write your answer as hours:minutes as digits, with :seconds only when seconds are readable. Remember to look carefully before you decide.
1:53:03
